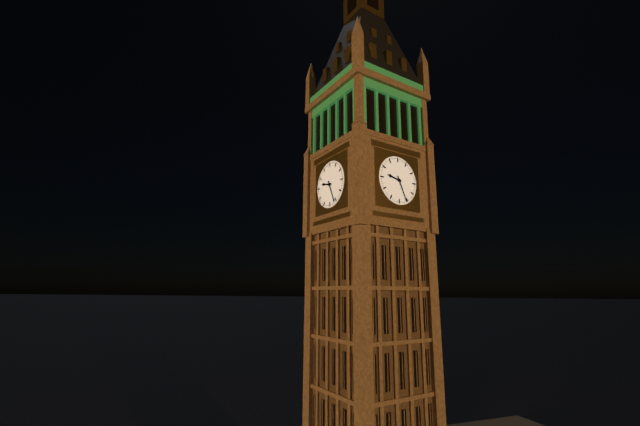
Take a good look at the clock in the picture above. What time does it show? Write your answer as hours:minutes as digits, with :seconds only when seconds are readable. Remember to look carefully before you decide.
9:26
